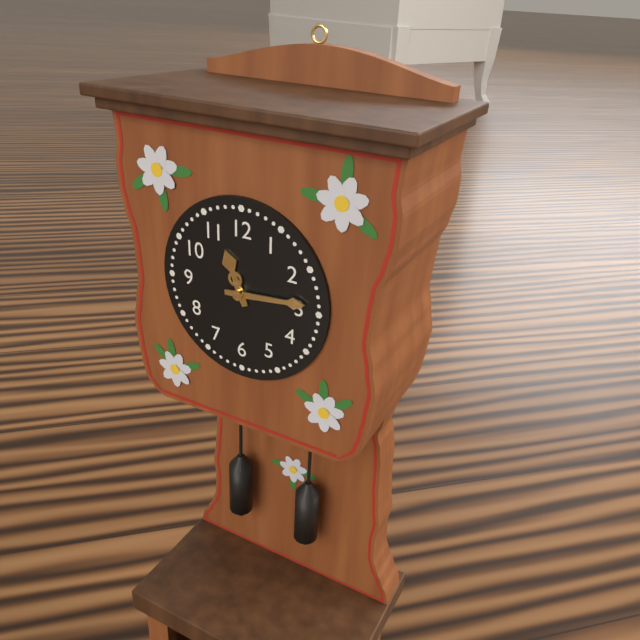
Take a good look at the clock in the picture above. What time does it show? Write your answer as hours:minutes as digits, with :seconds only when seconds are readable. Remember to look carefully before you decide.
11:14
